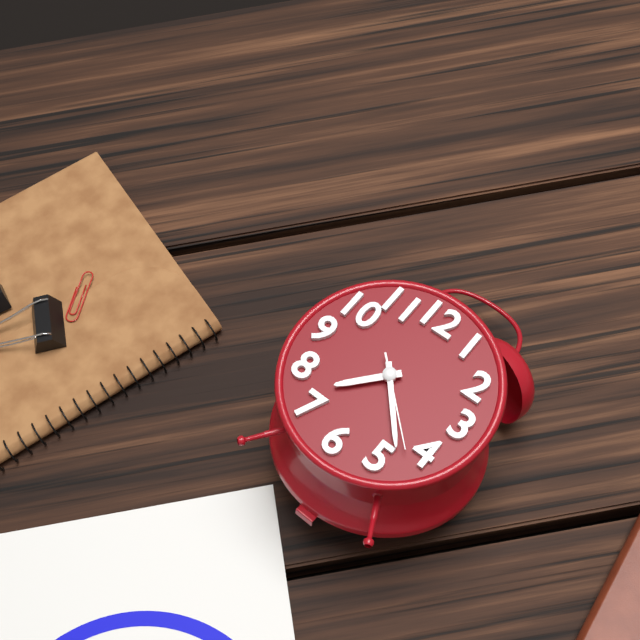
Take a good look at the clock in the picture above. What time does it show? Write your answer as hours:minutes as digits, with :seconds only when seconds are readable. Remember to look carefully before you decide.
7:23:22
